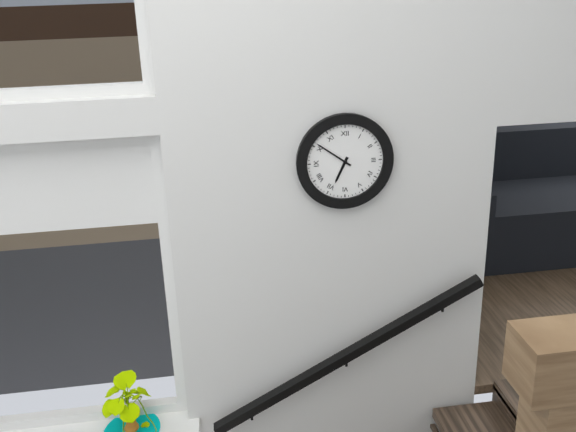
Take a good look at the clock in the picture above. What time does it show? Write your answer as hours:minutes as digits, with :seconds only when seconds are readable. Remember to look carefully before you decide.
6:51
